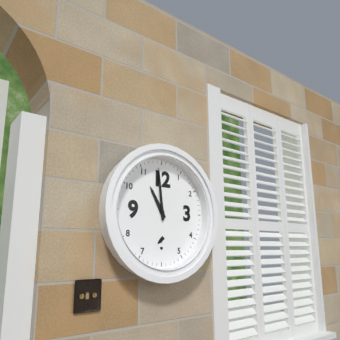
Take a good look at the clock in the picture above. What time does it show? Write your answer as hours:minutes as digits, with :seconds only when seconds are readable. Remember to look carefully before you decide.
10:59
